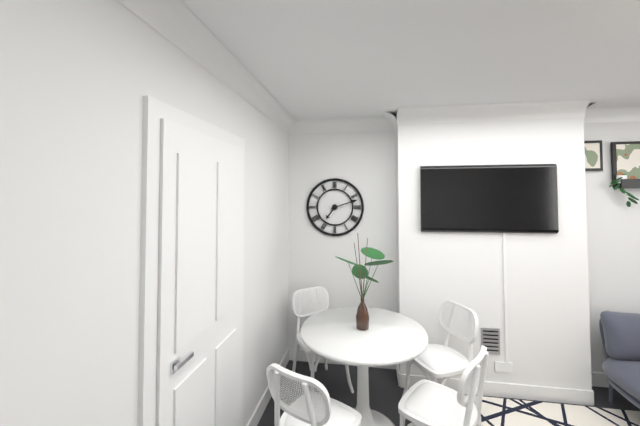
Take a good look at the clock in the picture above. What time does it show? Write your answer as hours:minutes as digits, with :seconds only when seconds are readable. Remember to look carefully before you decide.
7:12
